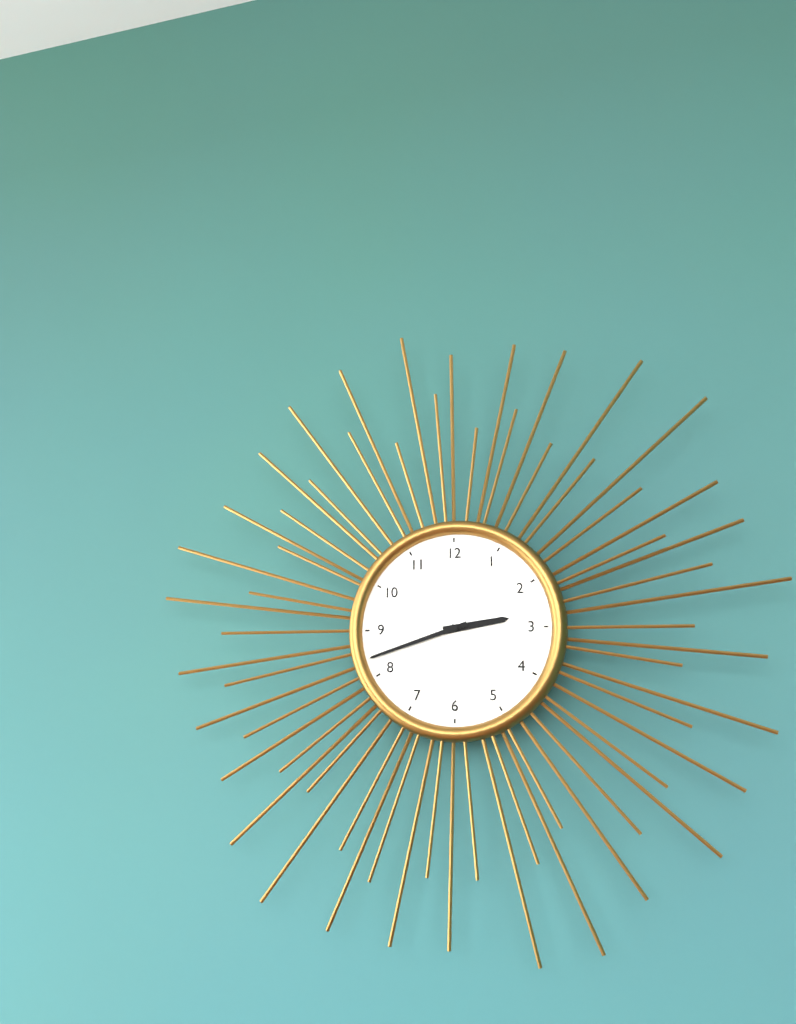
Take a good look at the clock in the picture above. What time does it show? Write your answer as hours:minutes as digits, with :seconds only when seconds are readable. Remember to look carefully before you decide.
2:42
